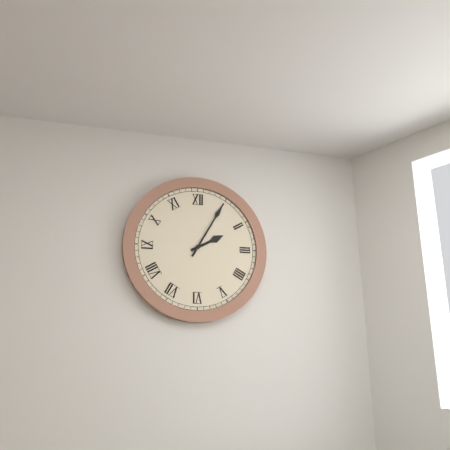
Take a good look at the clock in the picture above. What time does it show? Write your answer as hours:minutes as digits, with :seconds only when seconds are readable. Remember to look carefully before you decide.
2:05
